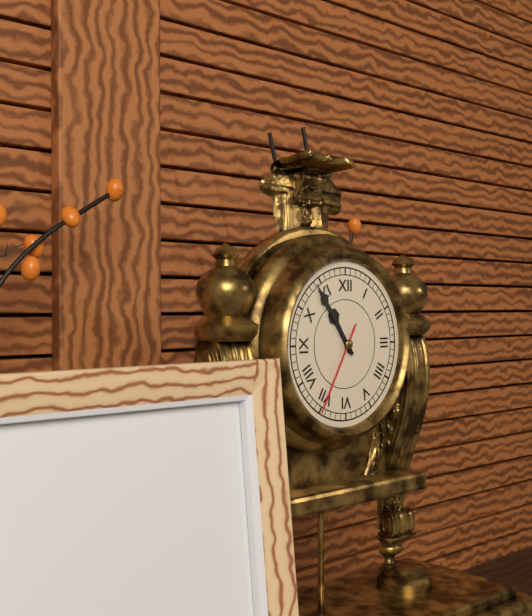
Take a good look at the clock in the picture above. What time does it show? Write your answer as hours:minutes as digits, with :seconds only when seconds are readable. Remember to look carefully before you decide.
10:54:35
